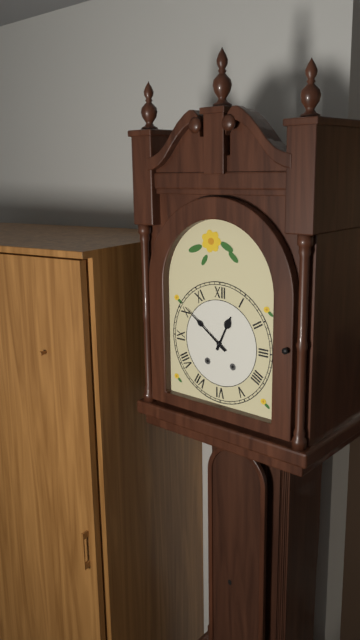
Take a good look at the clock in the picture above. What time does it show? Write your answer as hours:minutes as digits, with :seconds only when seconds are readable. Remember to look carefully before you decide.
12:51
